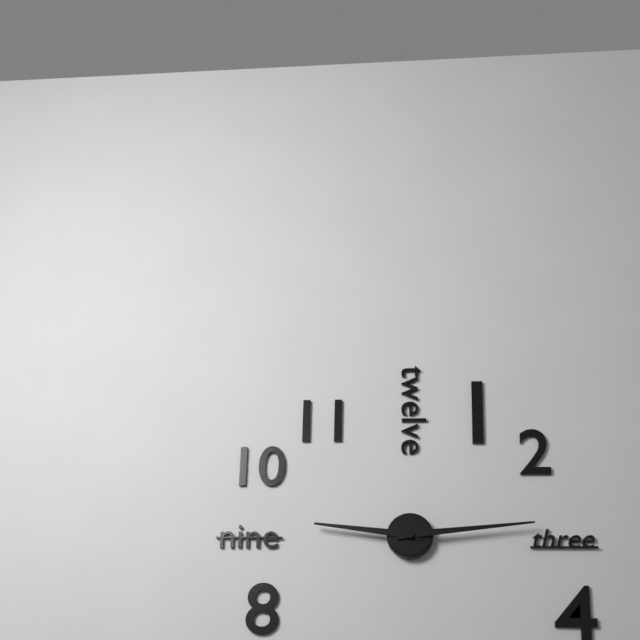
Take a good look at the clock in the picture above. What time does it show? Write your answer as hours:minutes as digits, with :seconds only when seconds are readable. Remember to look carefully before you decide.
9:14
